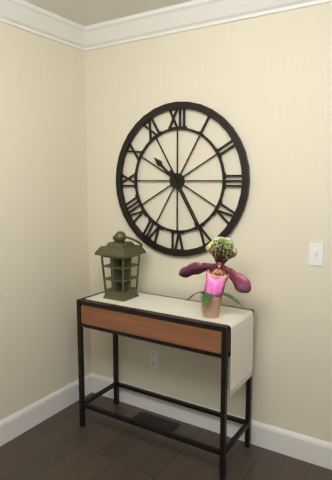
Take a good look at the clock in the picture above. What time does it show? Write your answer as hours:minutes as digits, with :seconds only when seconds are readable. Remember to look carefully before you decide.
10:25
